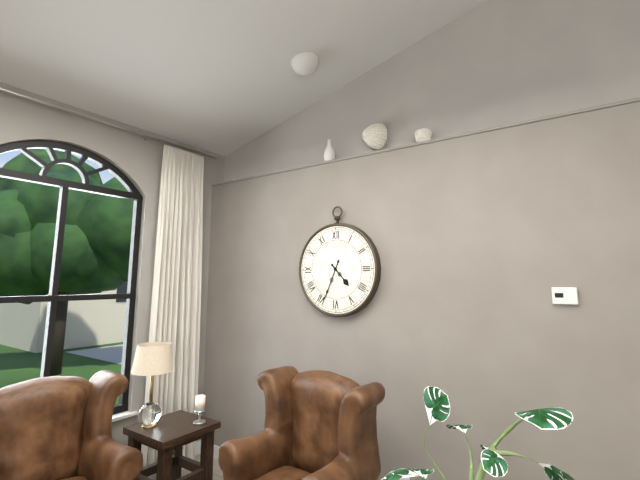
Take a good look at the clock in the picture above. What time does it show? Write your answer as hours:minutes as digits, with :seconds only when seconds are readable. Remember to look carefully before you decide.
4:34
